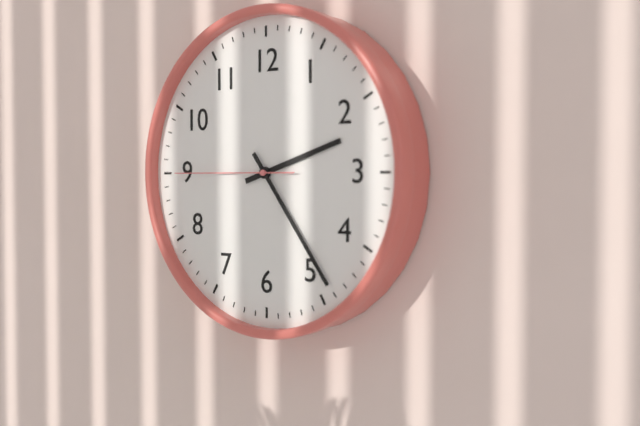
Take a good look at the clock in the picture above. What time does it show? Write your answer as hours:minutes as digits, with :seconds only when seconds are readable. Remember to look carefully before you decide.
2:24:45
